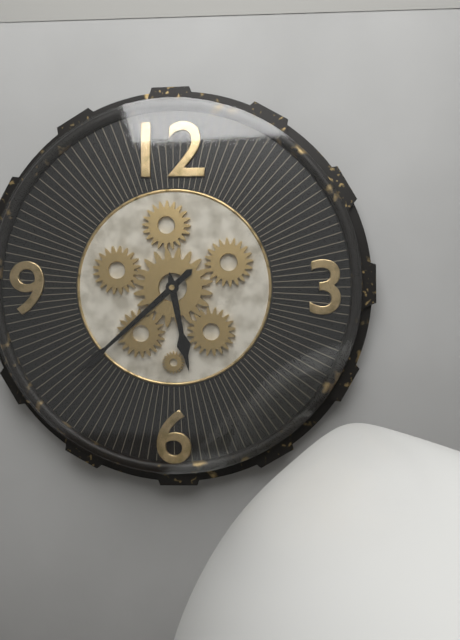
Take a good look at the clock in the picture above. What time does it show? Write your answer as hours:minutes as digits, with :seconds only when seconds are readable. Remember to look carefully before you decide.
5:38
